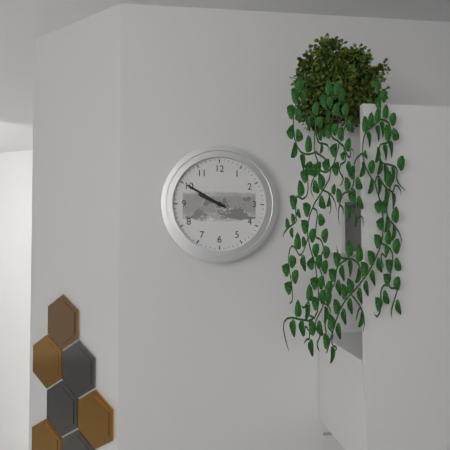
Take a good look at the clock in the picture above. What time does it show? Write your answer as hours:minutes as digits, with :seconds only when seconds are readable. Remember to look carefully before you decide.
9:50
